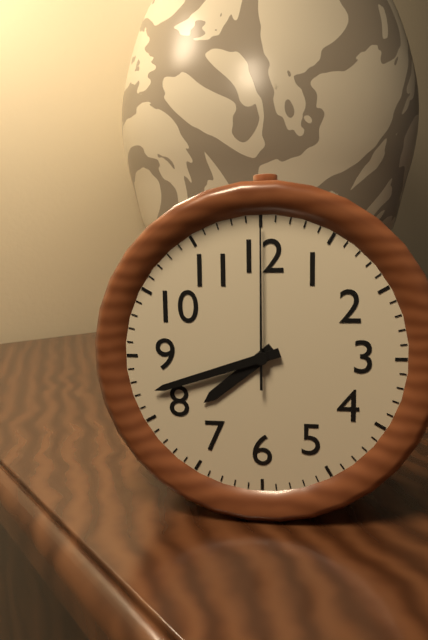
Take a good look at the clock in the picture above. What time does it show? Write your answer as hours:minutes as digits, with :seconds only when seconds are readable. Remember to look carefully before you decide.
7:42:00
